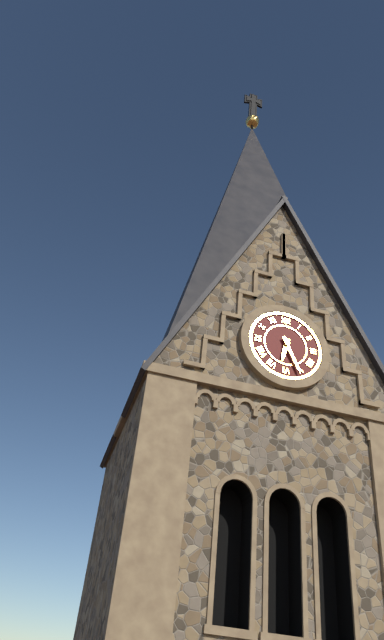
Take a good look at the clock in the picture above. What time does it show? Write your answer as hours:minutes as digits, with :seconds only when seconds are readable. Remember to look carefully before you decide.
6:26
